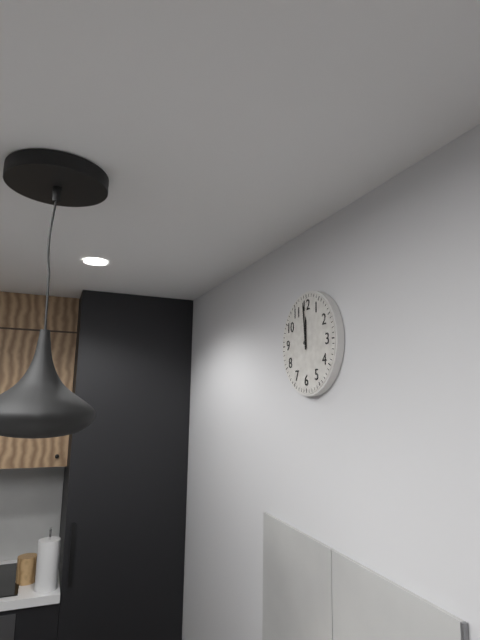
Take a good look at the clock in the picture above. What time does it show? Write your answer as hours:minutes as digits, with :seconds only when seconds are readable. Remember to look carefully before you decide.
11:59
